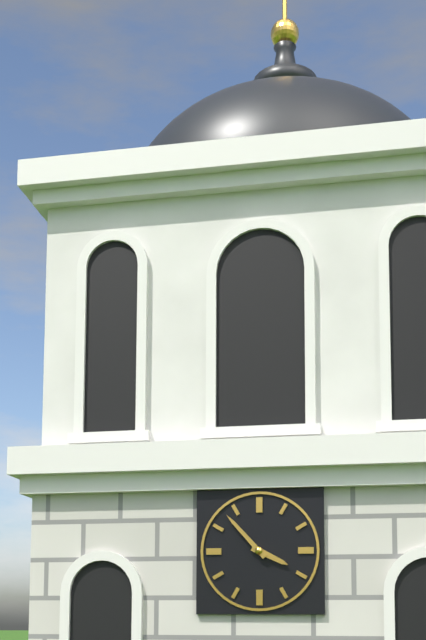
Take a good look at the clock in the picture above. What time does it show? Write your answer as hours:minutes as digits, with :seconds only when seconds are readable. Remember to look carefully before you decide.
3:53
